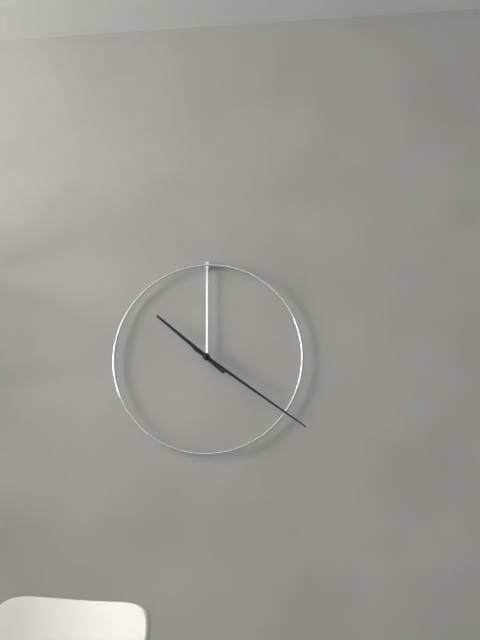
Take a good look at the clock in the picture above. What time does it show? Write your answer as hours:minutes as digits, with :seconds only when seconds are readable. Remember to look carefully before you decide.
10:21
